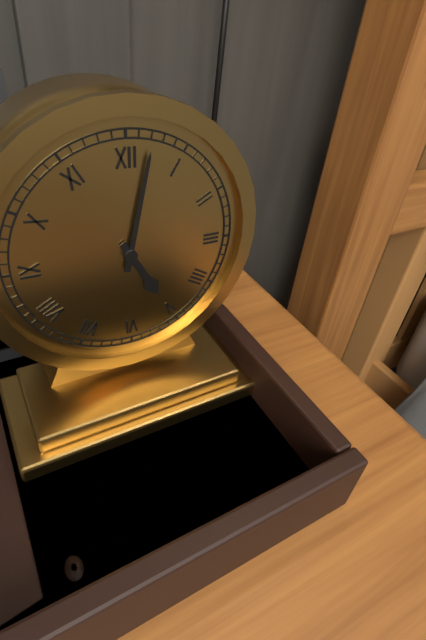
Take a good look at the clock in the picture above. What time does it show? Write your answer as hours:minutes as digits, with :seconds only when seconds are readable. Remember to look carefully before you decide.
5:02
